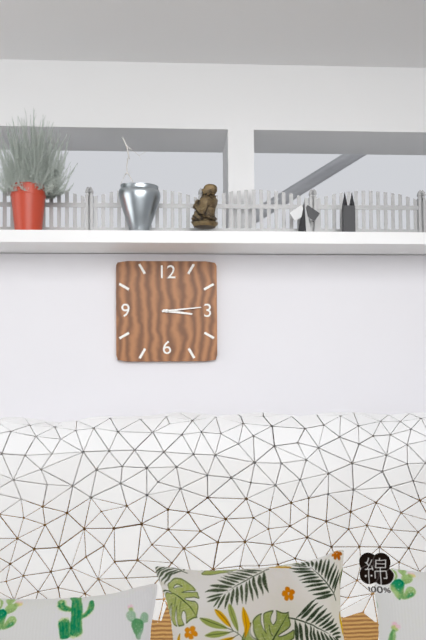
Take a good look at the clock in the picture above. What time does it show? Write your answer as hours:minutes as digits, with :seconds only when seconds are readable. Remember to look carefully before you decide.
3:14
